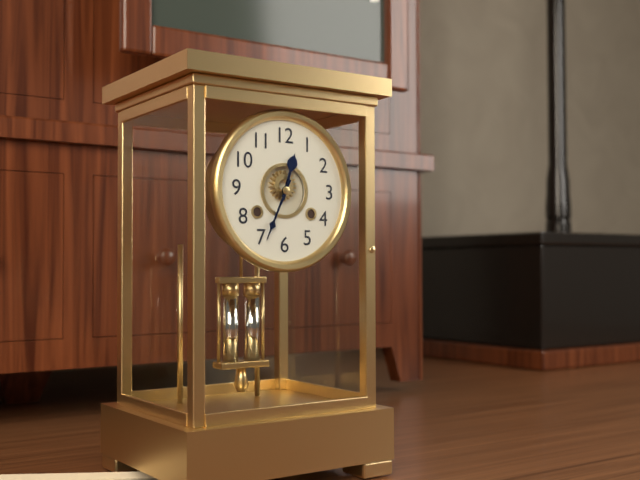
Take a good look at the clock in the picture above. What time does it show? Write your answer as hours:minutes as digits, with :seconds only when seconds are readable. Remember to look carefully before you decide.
12:34
